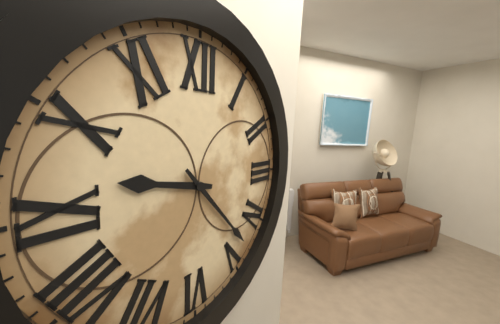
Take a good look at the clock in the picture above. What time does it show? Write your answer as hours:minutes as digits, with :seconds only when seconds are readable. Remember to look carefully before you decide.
9:23
